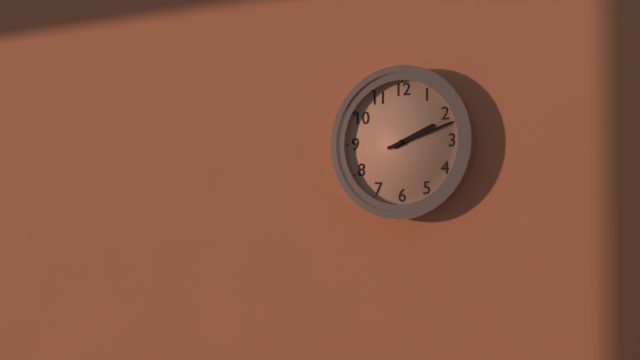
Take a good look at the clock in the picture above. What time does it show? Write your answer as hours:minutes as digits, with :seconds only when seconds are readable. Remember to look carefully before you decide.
2:12
